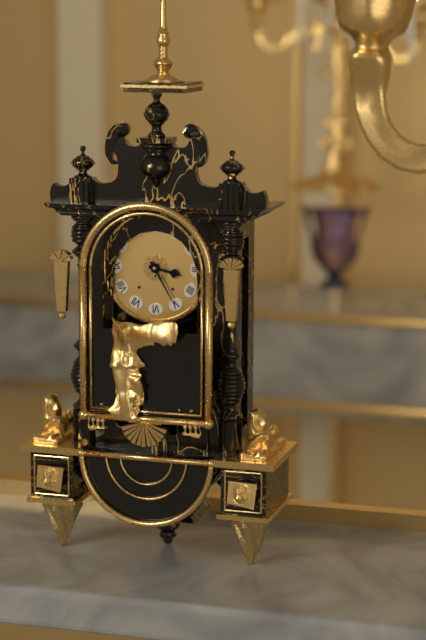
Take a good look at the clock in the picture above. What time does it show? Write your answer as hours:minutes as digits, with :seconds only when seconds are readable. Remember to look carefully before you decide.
3:25
